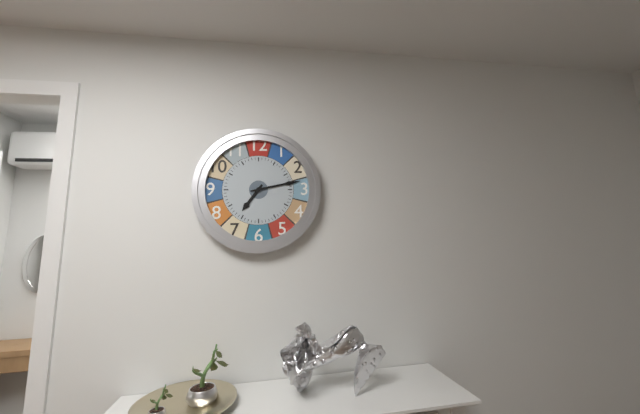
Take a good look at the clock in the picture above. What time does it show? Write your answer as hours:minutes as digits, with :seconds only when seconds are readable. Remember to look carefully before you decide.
7:13
